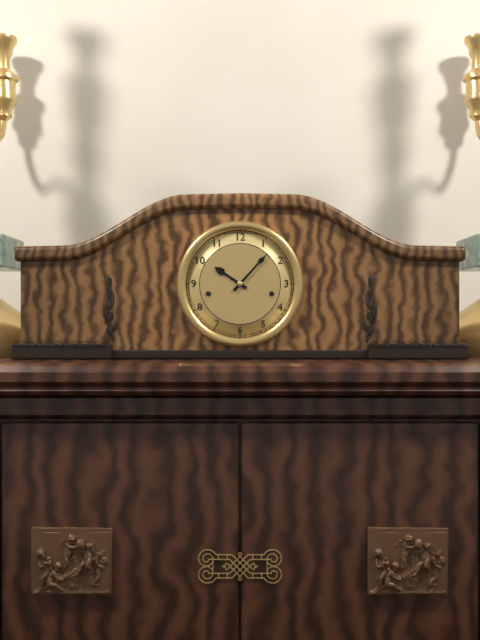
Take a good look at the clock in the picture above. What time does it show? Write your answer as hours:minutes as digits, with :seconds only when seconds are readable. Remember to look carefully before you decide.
10:07
